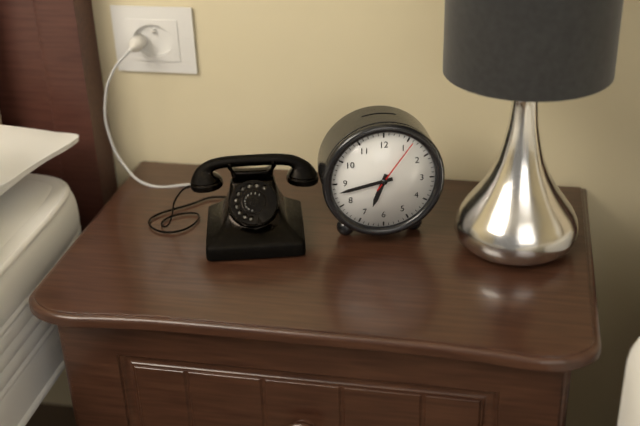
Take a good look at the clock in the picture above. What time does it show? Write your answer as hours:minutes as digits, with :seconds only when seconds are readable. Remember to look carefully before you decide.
6:43:06
